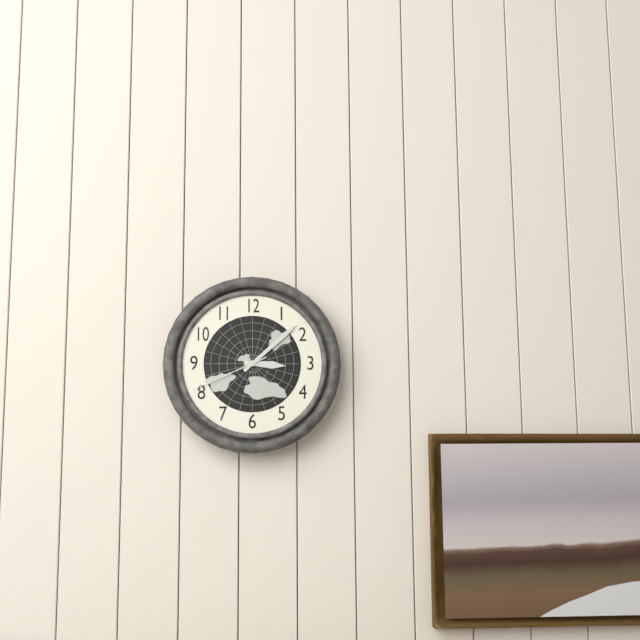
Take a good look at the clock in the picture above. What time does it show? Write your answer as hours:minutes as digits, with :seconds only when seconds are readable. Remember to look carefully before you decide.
3:08:41
